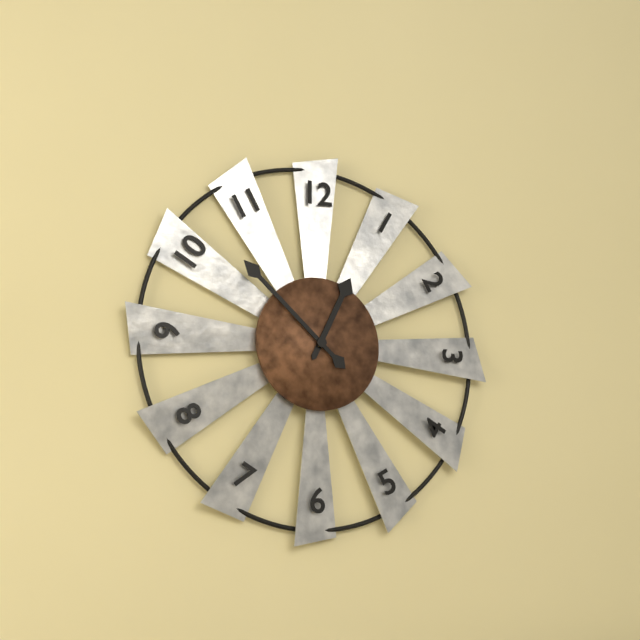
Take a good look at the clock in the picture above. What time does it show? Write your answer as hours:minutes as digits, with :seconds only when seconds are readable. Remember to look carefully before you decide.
12:52
